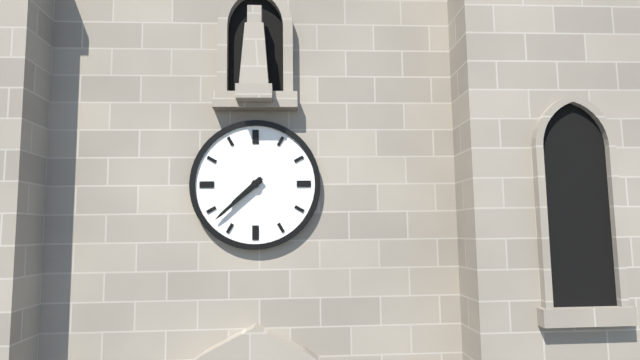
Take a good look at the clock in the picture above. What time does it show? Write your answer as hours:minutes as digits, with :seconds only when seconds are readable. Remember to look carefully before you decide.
7:38
